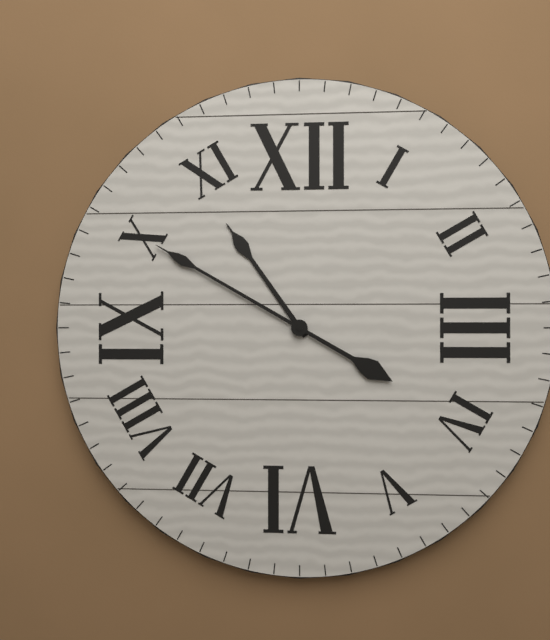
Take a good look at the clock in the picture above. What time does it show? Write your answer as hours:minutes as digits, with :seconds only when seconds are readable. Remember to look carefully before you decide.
10:50
